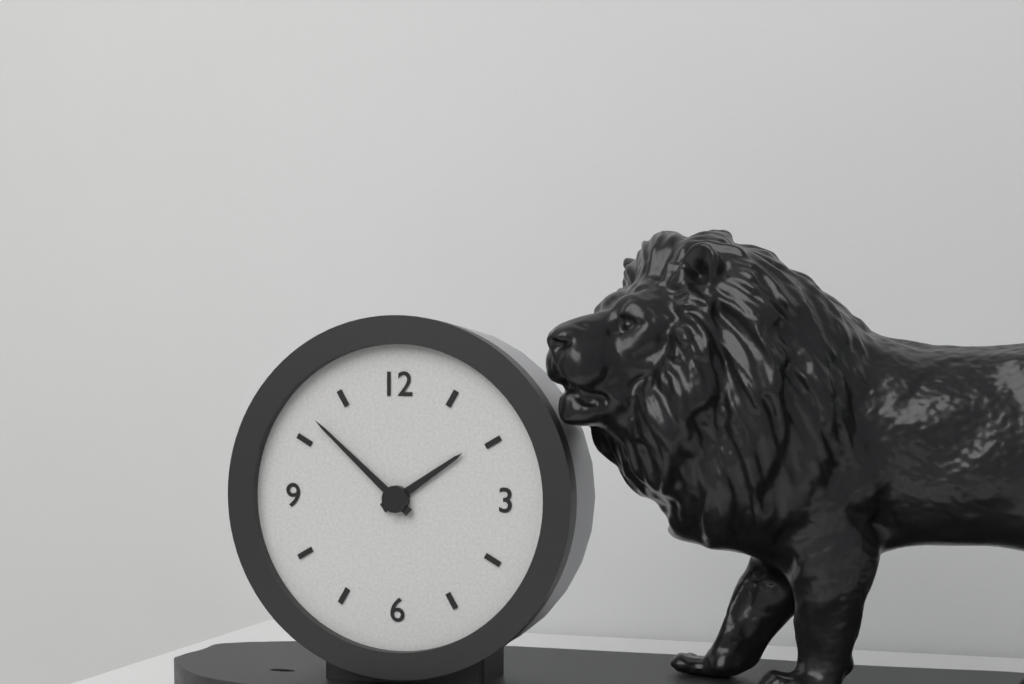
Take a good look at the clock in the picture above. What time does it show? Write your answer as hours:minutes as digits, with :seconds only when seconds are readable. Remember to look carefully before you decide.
1:52
